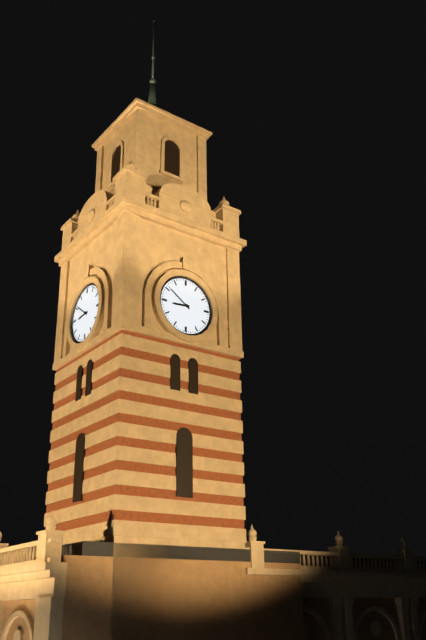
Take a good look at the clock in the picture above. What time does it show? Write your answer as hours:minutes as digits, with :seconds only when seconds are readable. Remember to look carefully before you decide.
8:51
